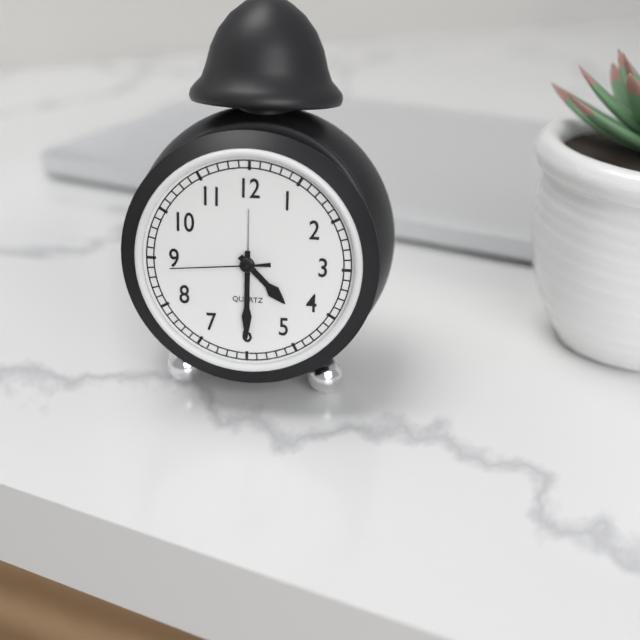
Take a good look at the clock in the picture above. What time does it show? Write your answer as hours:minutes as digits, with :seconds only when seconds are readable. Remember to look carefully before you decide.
4:30:44
